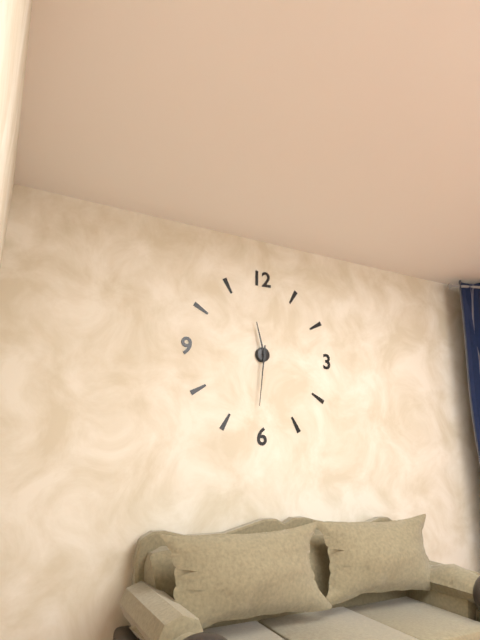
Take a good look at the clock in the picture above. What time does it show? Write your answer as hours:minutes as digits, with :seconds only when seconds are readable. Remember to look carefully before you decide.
11:31
